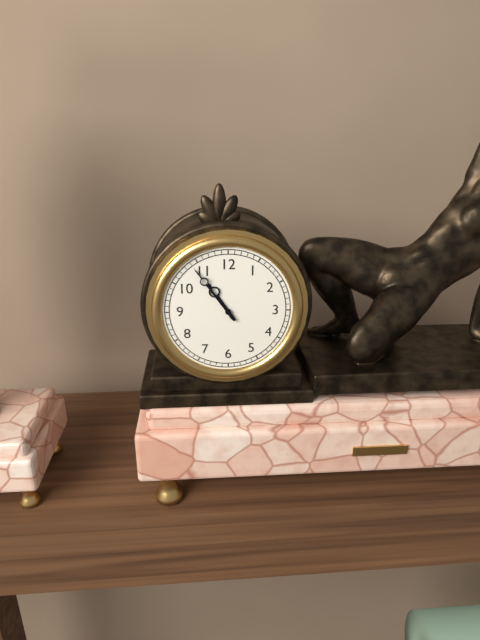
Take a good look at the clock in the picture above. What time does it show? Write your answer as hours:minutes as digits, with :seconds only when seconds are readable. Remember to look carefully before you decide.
10:54
